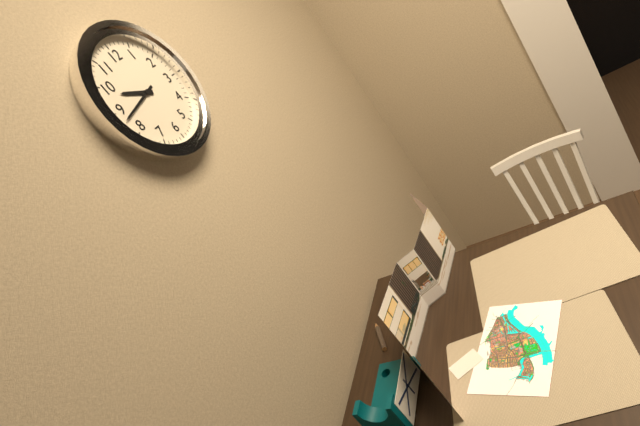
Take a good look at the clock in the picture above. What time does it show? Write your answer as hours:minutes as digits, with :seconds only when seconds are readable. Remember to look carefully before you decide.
9:43
